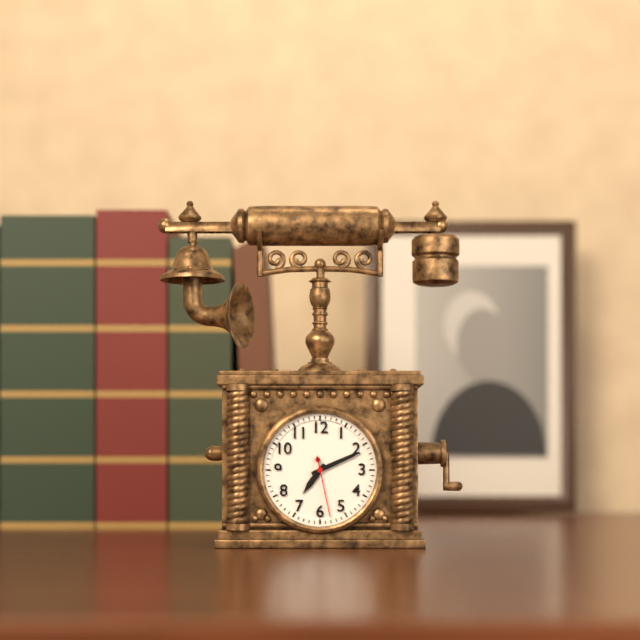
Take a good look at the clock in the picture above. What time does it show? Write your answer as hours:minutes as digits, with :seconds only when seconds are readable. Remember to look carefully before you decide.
7:11:28
